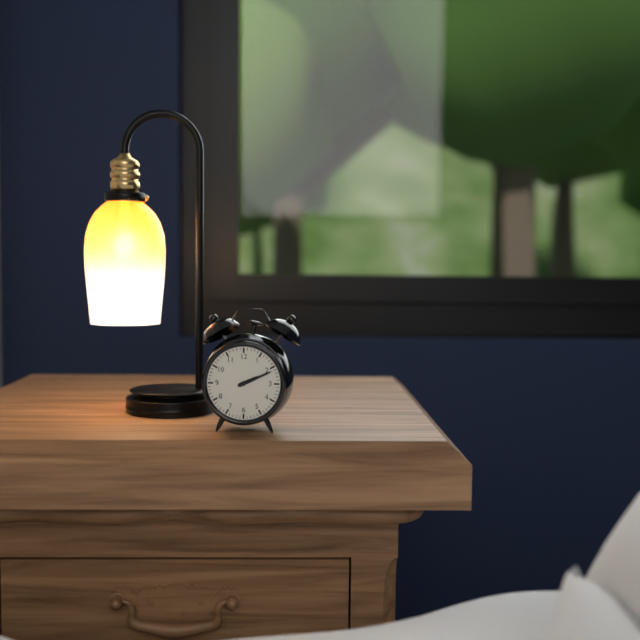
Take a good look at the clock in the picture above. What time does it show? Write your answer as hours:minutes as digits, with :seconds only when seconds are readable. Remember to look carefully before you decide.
2:11
